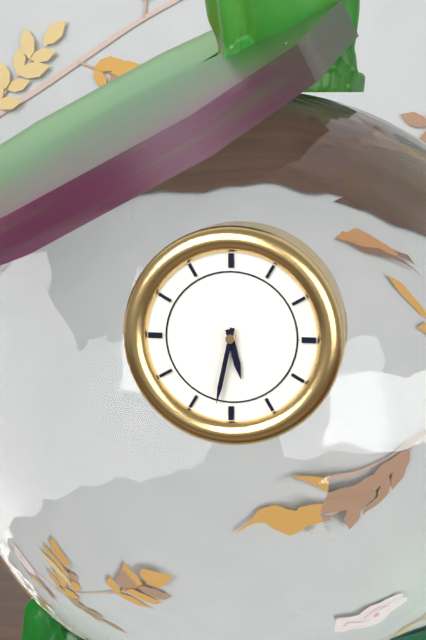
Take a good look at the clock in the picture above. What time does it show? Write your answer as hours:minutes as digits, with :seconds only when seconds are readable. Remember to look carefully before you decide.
5:32
